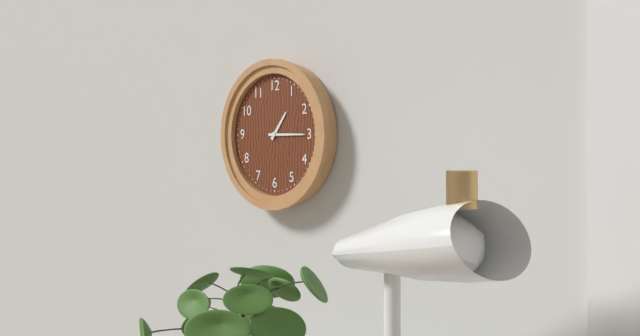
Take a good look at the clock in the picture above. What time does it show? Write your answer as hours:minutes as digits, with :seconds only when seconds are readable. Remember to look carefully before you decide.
1:15
